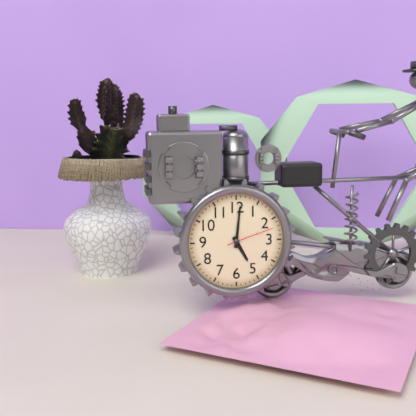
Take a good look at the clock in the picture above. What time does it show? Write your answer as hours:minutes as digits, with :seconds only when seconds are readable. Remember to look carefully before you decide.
5:01:12
